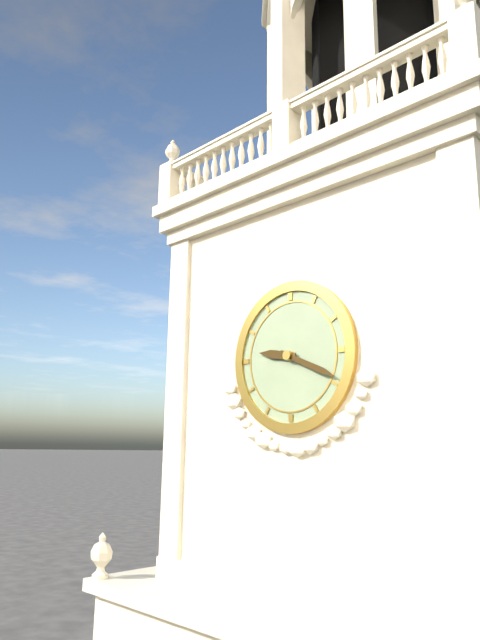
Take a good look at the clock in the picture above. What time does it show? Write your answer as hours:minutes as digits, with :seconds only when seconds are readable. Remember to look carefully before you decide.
9:19
